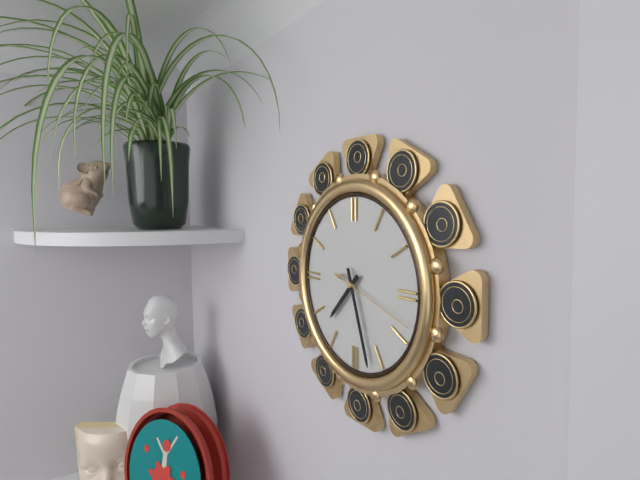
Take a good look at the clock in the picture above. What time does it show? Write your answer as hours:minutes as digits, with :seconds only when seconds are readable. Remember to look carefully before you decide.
7:27:18
